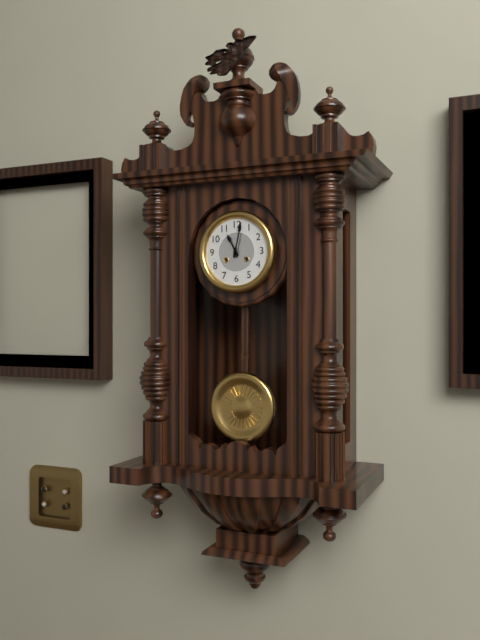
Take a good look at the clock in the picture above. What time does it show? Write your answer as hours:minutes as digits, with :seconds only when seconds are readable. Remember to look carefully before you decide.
11:02
